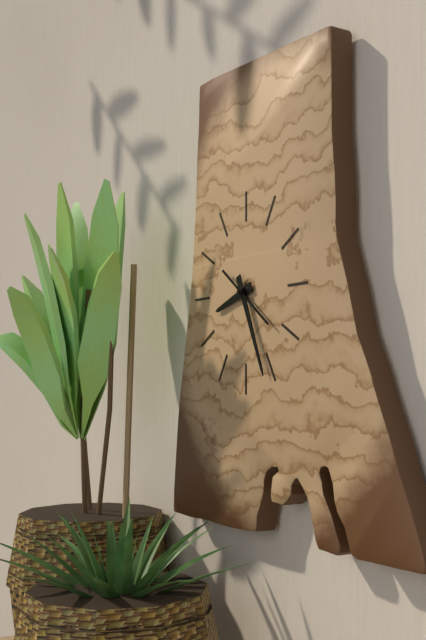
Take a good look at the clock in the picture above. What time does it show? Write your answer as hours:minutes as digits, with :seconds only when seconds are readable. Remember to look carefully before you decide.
8:26:21
